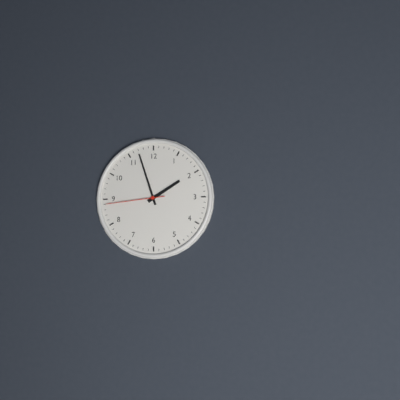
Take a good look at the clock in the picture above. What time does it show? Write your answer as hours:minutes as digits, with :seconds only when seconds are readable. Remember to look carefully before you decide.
1:57:44
